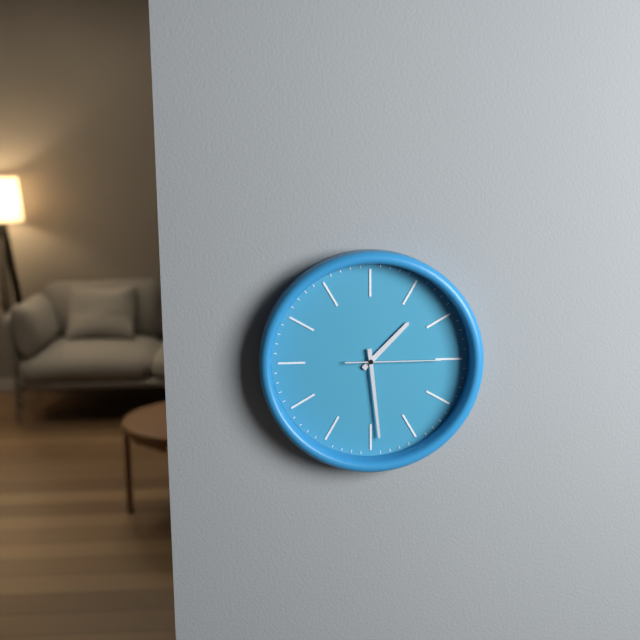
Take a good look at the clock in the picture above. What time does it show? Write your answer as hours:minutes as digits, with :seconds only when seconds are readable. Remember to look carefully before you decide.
1:29:15
